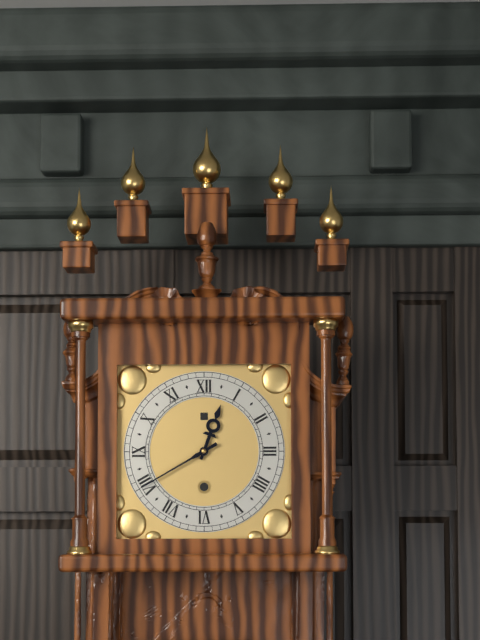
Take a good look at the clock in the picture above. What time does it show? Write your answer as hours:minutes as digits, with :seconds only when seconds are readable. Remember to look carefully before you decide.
12:40
